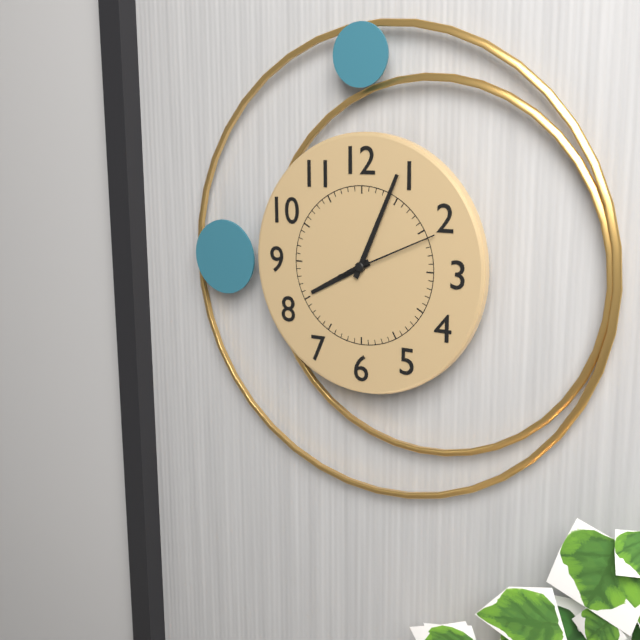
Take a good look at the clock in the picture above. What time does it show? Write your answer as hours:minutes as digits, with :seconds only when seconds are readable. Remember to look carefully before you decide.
8:04:11
